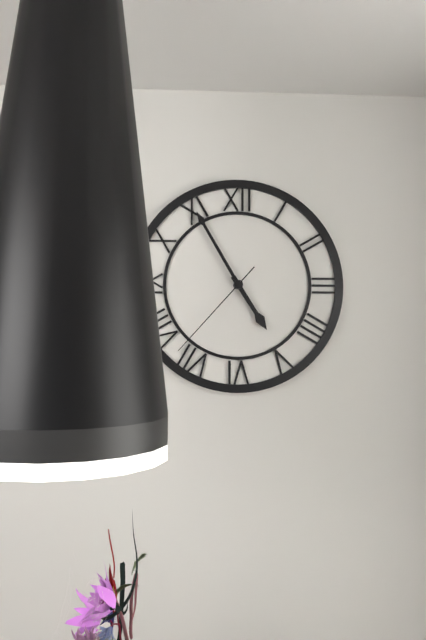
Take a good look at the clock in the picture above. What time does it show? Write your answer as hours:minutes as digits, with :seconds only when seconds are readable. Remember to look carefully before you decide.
4:55:37
